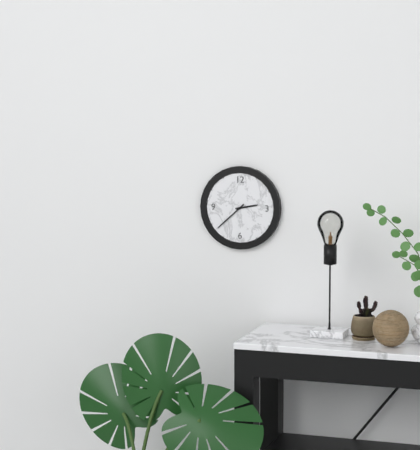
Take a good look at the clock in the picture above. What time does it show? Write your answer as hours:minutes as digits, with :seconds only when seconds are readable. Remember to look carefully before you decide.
2:38
